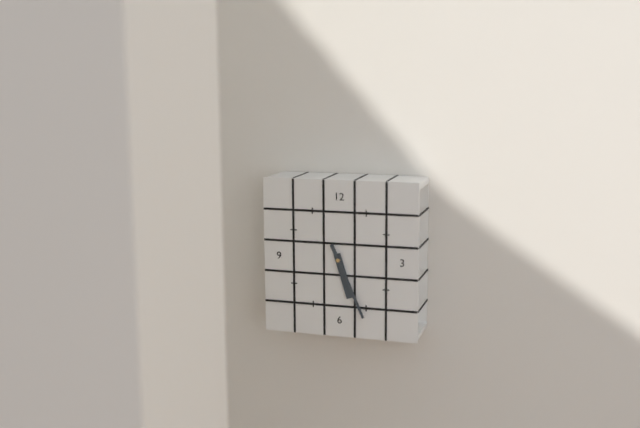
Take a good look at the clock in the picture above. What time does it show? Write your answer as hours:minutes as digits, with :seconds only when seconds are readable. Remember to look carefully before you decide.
5:26
